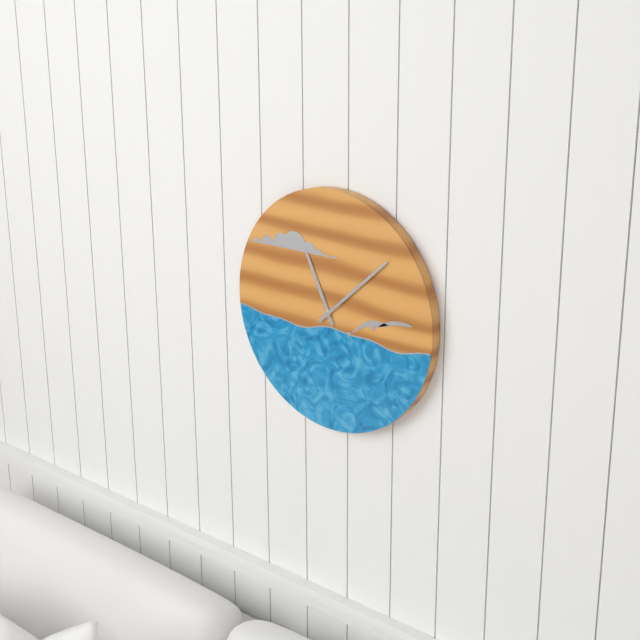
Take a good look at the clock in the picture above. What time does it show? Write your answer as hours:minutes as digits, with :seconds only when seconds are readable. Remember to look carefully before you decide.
11:08
